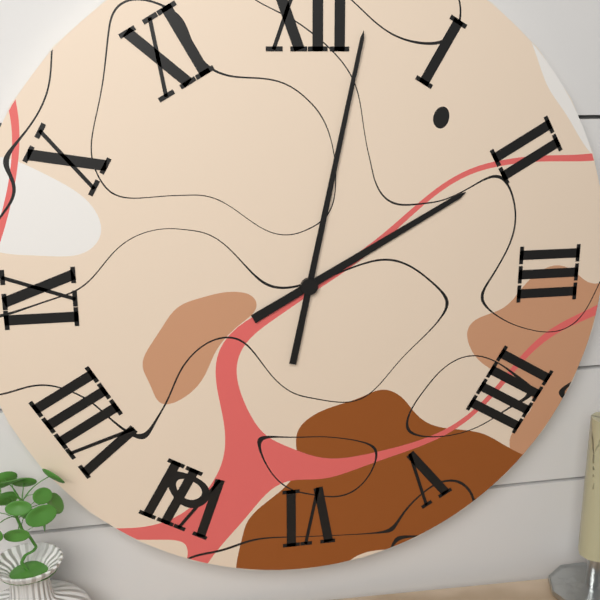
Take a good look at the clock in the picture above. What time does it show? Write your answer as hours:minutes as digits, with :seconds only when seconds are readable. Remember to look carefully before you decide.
2:02
